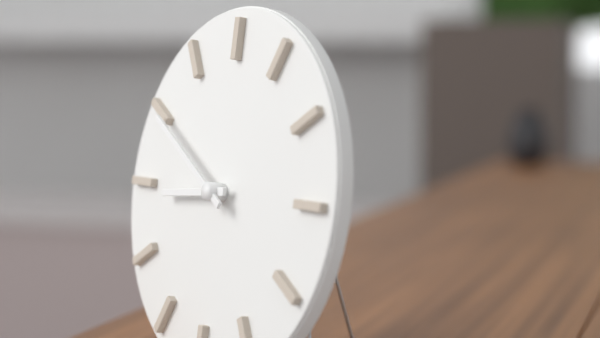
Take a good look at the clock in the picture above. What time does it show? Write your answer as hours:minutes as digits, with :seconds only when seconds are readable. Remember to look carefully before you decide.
8:50
